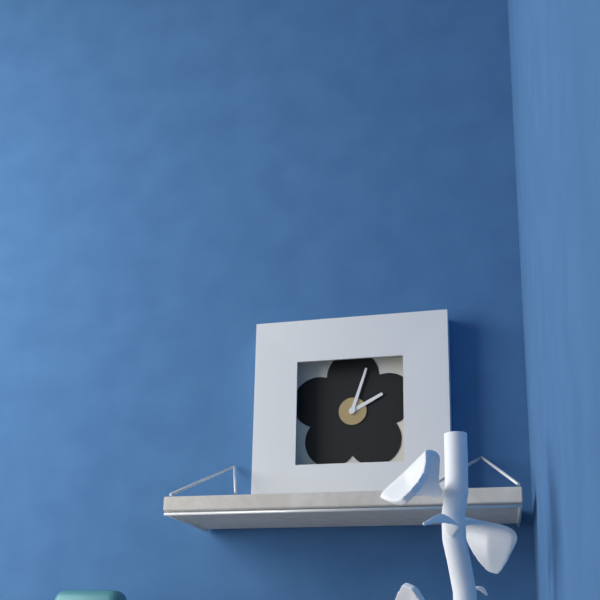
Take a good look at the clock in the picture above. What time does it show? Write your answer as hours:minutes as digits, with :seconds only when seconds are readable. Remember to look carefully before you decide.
2:03
